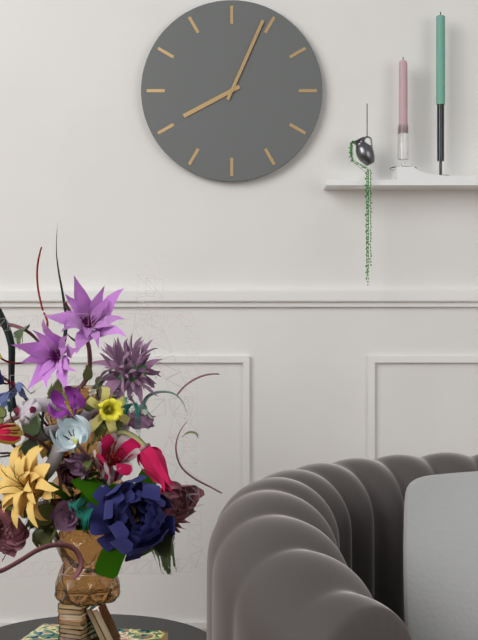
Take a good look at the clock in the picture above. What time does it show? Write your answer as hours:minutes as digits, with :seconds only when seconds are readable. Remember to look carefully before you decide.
8:04
